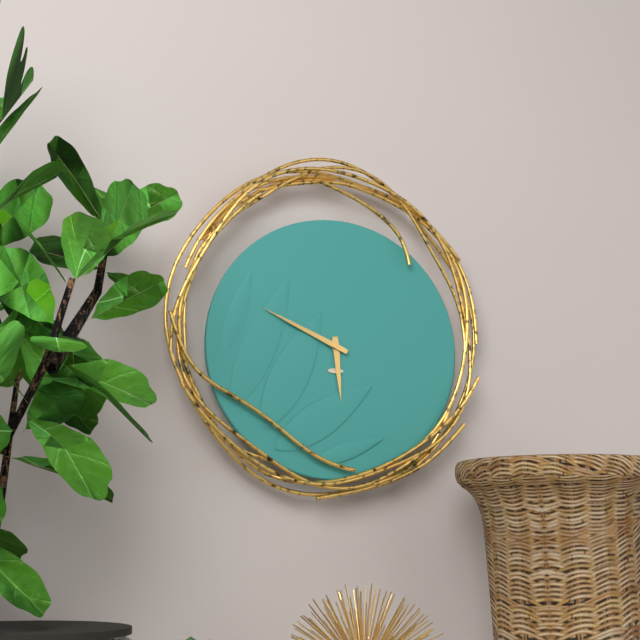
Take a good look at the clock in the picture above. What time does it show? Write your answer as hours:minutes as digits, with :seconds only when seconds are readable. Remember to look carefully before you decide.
5:49
